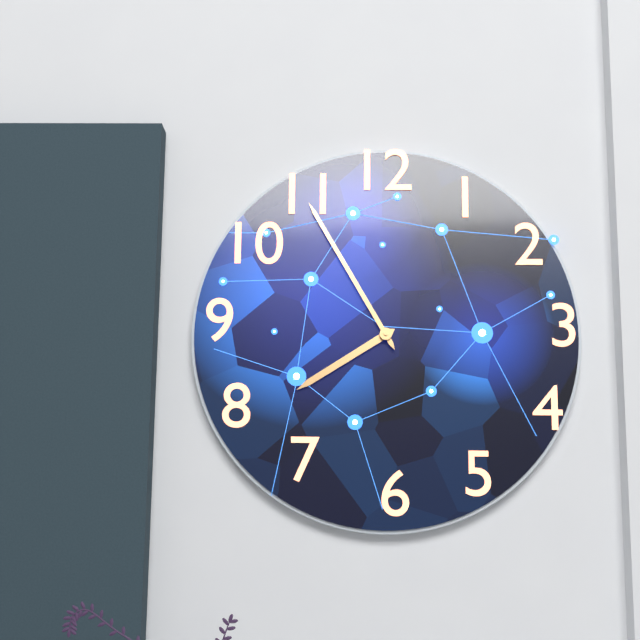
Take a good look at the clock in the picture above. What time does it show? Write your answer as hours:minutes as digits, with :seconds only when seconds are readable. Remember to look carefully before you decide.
7:55
